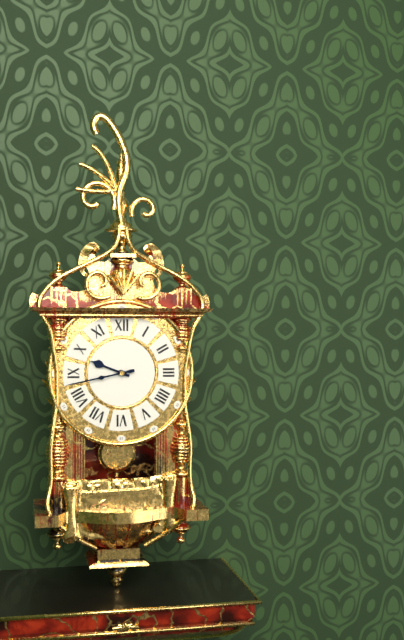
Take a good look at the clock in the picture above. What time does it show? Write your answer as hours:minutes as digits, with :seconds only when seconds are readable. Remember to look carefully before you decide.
9:43
